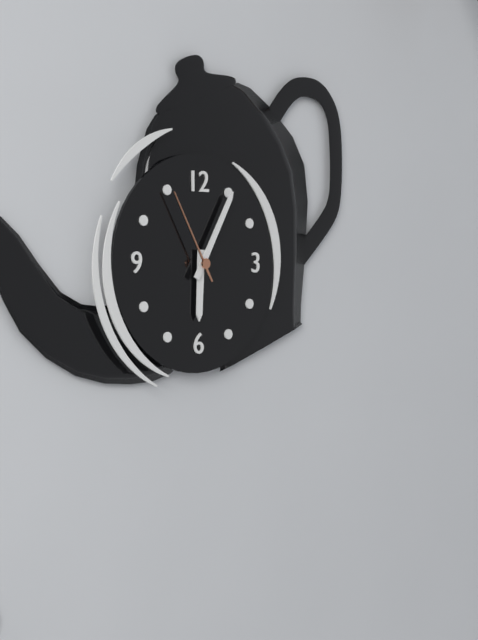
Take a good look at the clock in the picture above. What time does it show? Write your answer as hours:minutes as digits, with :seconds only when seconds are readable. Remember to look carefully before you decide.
6:05:55
